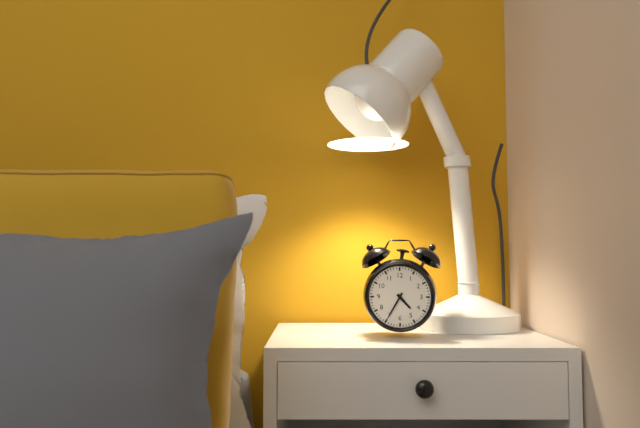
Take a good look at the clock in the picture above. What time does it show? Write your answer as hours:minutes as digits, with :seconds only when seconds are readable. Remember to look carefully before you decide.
4:35
